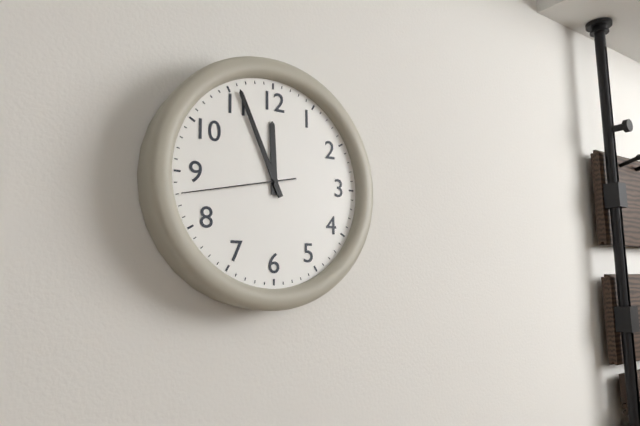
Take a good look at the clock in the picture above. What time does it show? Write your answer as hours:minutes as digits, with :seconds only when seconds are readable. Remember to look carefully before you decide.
11:56:43
